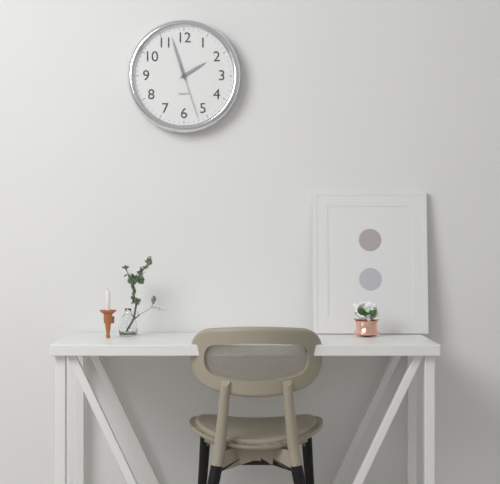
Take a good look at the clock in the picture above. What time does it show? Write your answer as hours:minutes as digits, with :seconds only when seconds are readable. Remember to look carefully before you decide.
1:57:27
